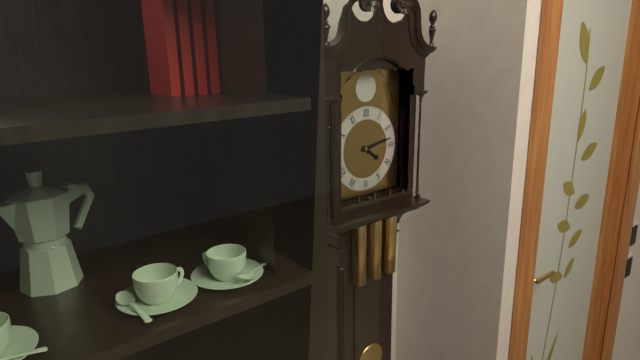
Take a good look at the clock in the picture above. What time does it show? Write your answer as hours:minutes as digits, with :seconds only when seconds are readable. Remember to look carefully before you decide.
4:13
